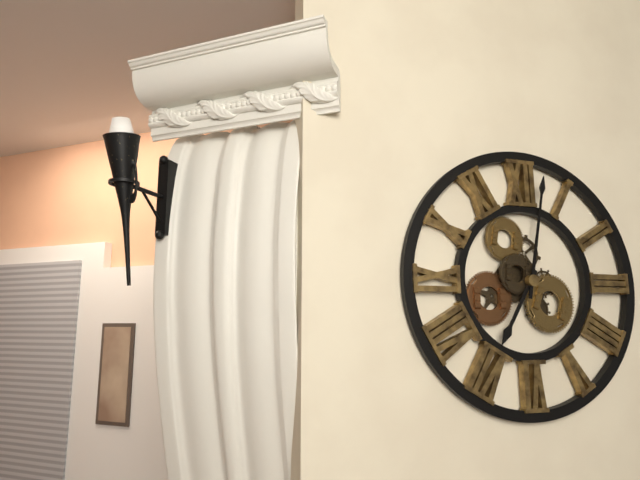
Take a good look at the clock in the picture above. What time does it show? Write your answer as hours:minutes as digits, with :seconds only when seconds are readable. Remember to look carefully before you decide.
7:02
